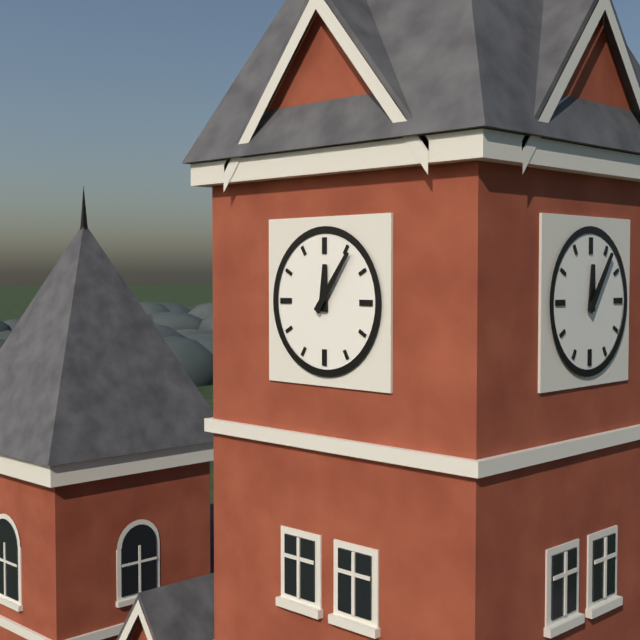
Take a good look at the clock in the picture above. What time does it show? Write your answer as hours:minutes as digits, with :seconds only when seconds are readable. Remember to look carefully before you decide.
12:06
